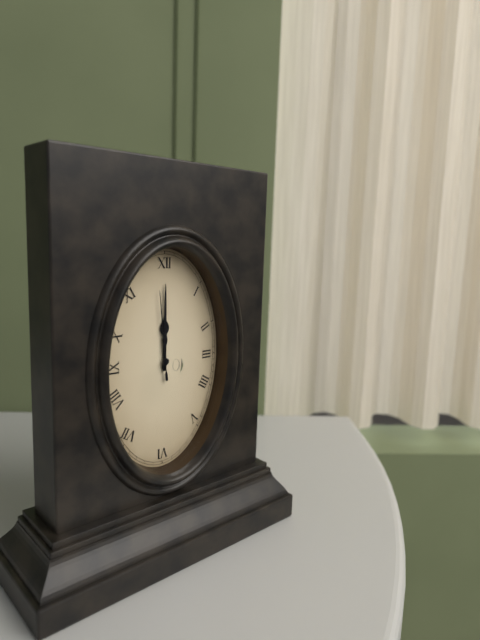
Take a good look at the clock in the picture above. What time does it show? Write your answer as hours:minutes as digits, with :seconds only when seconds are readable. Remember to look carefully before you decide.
12:00:59
